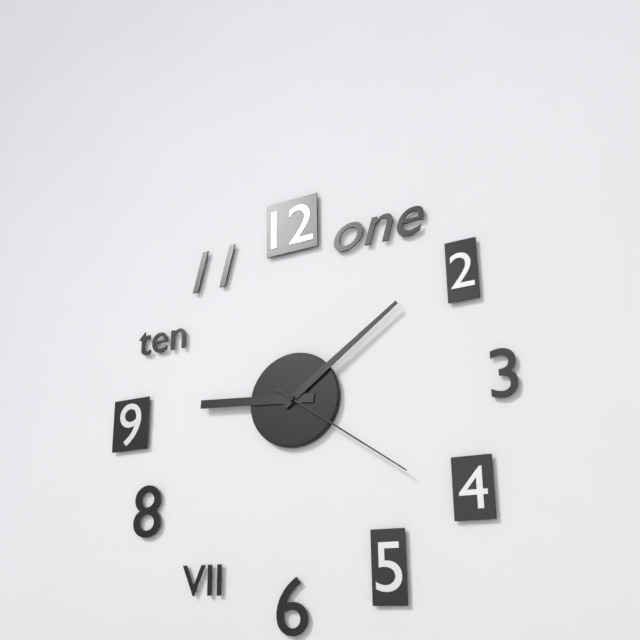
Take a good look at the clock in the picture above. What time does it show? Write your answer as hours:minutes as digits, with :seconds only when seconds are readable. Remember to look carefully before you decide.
9:09:21
